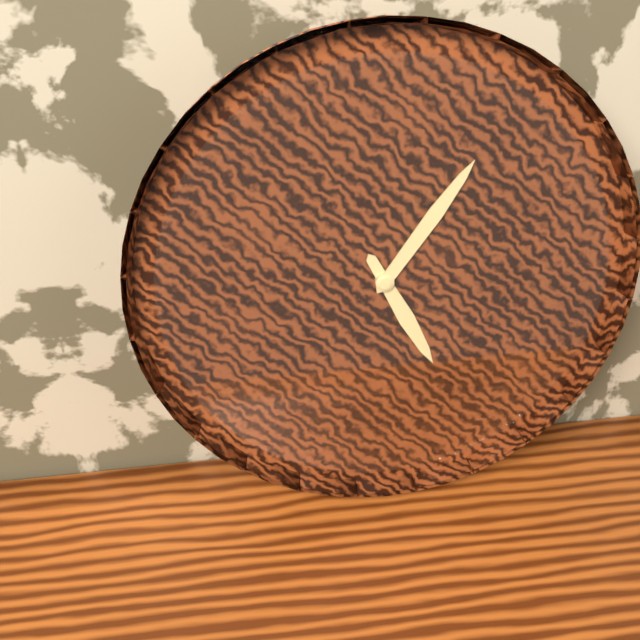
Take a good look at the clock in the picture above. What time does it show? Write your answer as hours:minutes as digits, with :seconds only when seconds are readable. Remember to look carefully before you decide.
5:06
